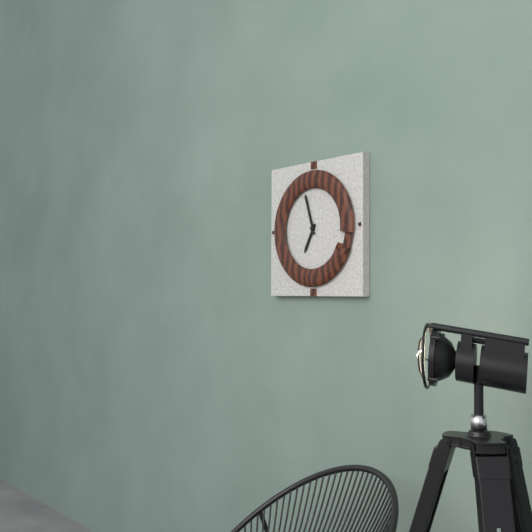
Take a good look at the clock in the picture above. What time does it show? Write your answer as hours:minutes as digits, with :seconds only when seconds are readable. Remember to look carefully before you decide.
6:57
